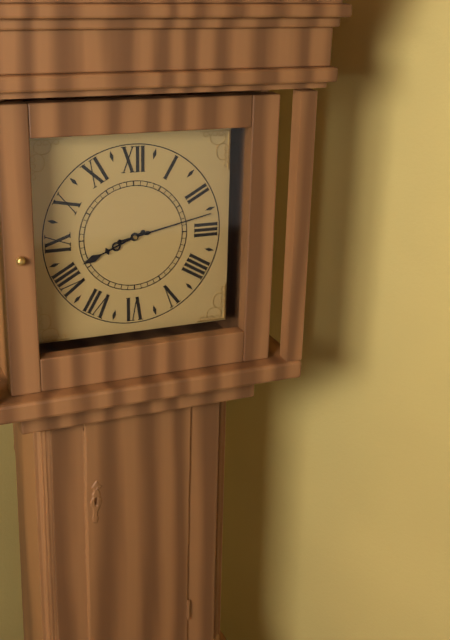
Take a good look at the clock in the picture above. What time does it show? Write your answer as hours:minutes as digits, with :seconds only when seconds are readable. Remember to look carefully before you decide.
8:13
